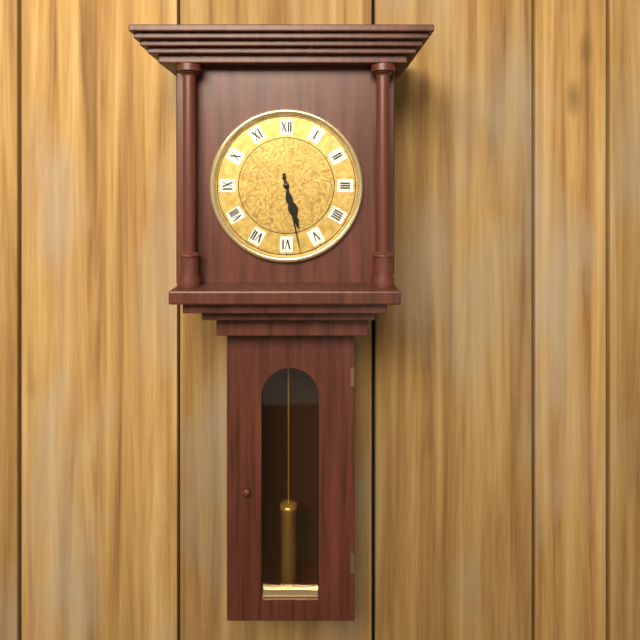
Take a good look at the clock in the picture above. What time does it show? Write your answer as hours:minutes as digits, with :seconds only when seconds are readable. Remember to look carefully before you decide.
5:28
